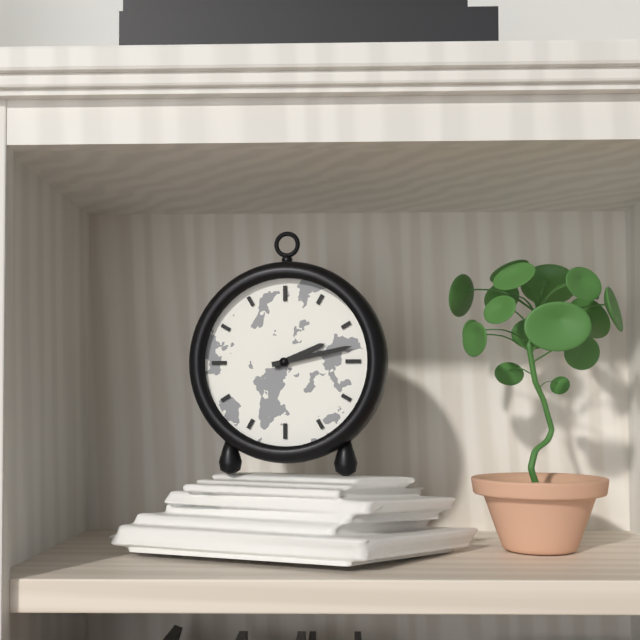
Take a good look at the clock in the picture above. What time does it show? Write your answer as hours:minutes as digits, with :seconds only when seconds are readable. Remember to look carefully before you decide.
2:13
